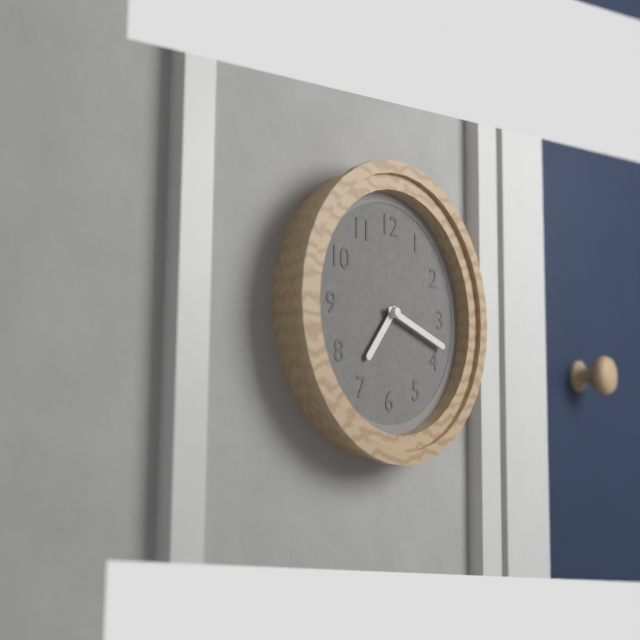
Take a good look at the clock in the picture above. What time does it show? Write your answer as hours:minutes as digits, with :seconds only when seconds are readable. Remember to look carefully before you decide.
7:18
